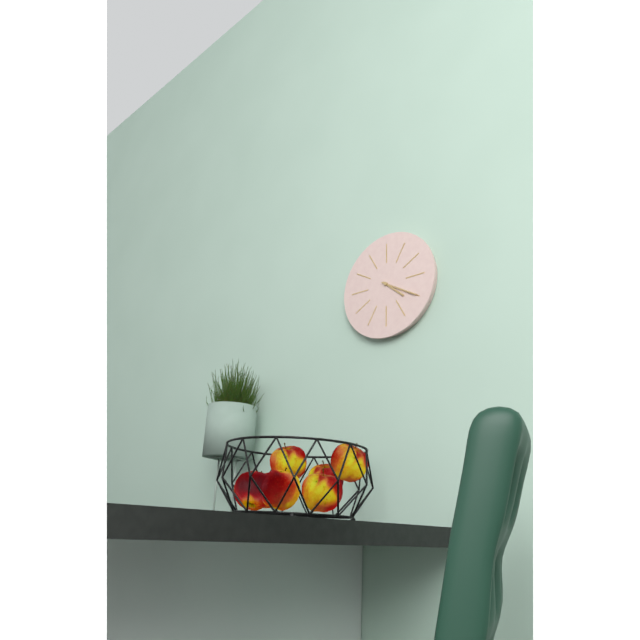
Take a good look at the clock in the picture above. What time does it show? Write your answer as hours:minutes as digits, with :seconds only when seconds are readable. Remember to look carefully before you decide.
4:20
